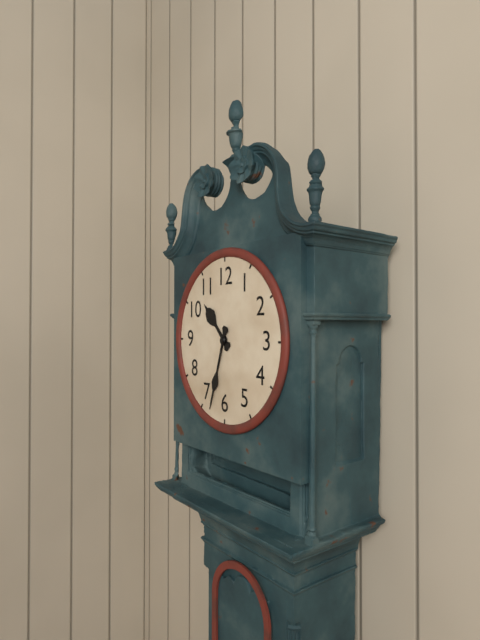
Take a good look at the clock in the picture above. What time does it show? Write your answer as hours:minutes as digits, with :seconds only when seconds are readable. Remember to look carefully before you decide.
10:33
